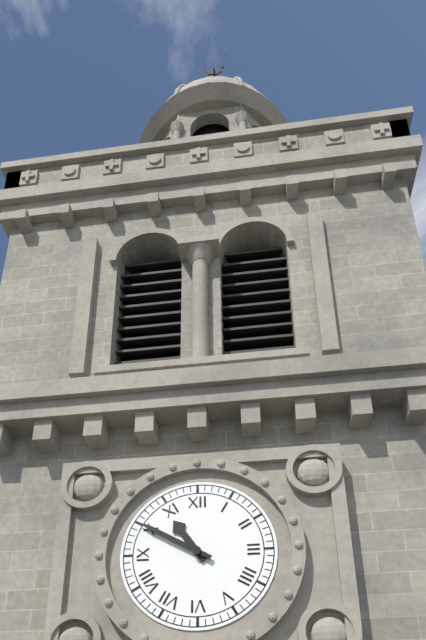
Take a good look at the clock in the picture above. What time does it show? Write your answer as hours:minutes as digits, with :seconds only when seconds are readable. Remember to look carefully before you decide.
10:50
